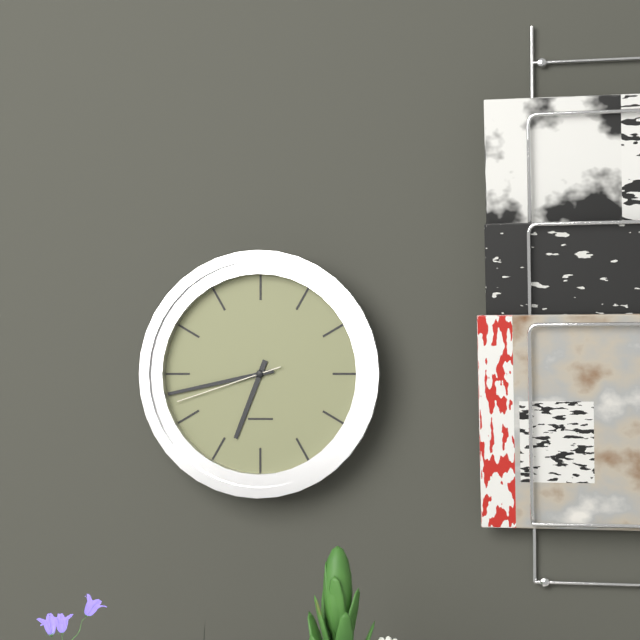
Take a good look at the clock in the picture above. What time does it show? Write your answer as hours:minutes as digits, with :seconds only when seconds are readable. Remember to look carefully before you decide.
6:43:42
